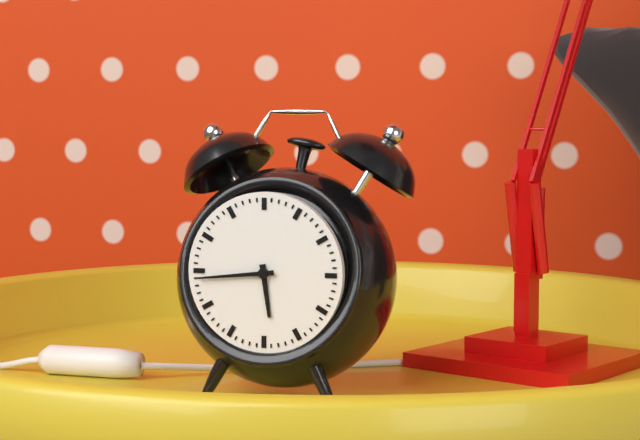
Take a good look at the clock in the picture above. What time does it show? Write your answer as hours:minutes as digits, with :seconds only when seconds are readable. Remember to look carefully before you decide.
5:44
